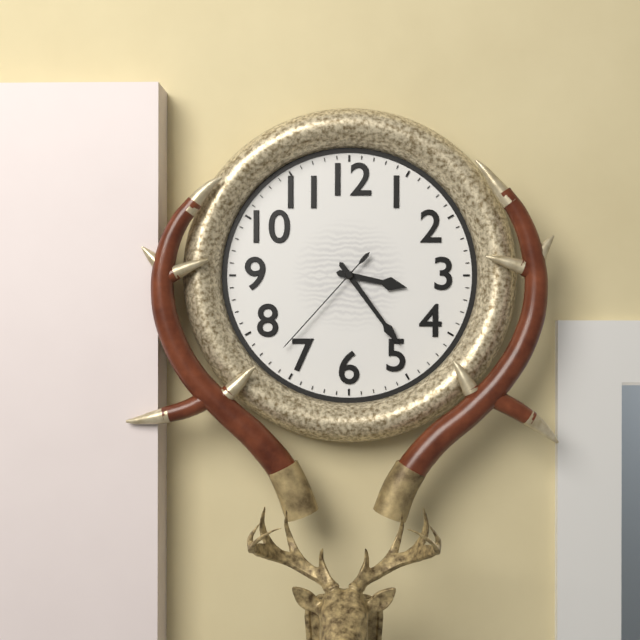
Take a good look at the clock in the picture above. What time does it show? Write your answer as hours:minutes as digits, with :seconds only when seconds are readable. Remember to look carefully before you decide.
3:24:37
